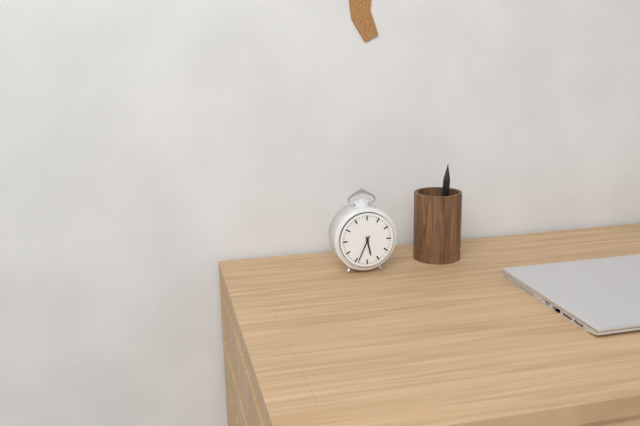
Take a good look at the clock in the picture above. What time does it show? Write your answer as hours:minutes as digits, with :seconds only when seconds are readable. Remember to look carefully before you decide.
5:34
